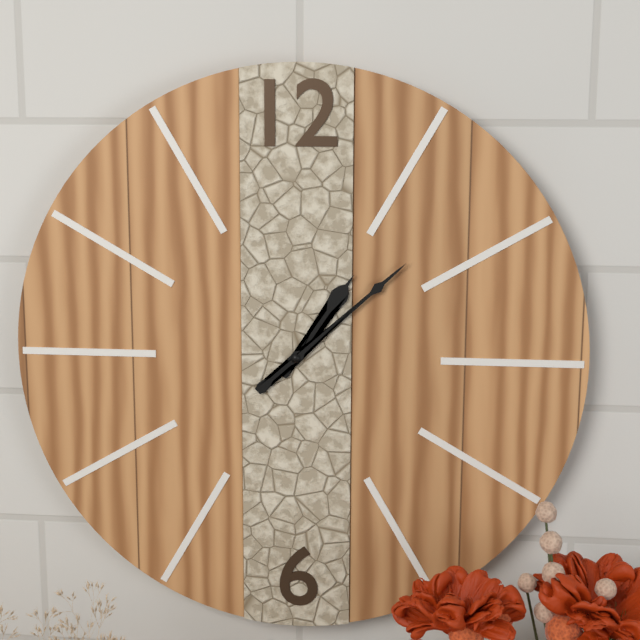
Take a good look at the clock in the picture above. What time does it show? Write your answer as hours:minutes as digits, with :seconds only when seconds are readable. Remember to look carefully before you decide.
1:08
